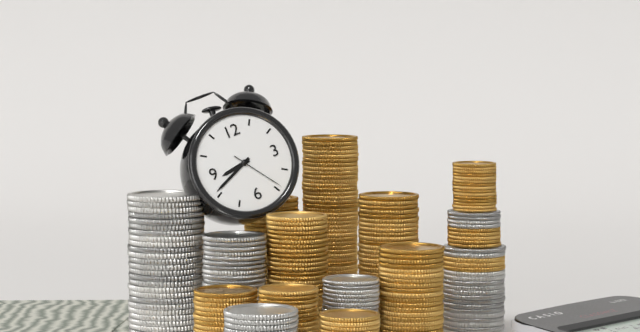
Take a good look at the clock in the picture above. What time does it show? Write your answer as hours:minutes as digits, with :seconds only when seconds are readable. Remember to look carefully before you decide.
8:41:24
